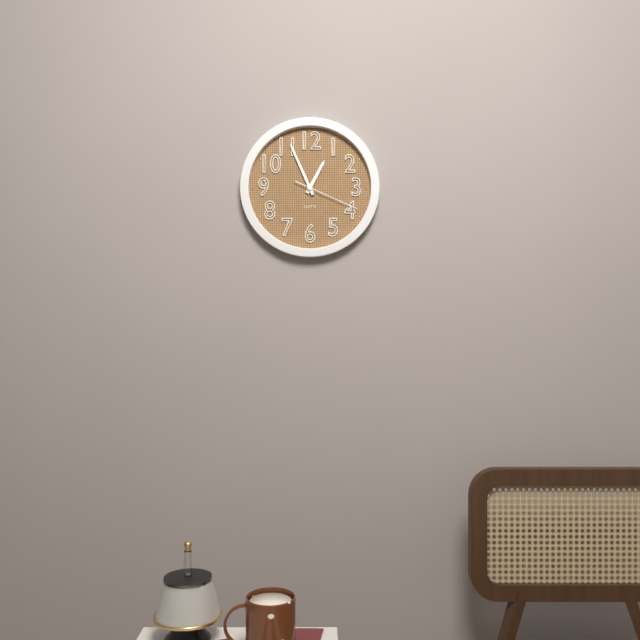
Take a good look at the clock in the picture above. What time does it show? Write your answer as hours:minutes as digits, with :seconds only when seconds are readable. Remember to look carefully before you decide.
12:56:19
